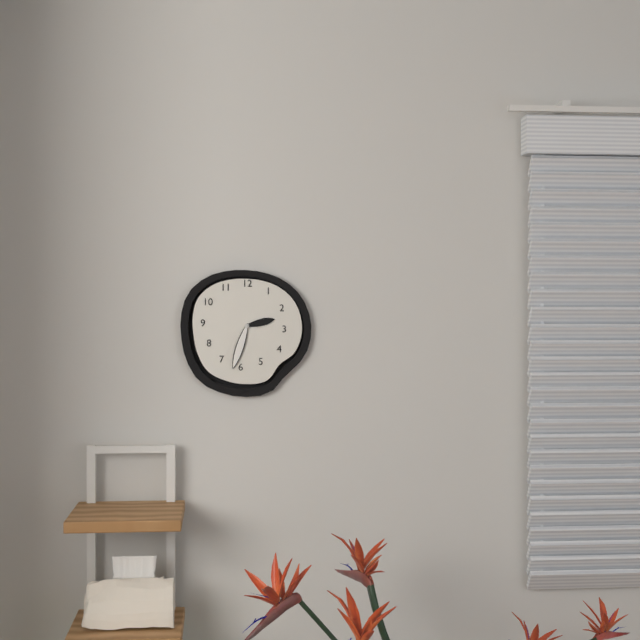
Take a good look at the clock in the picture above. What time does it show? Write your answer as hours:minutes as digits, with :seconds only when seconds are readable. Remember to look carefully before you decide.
2:33
